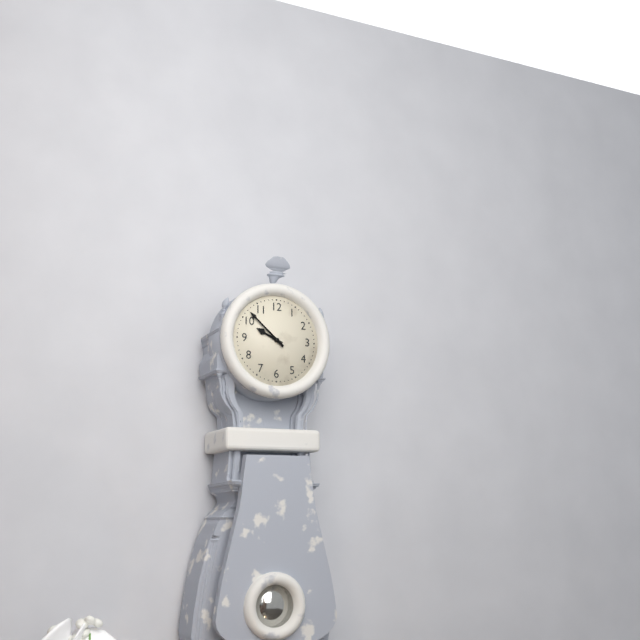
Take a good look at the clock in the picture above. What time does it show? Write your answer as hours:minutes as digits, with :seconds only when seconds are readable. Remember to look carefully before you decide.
9:52
